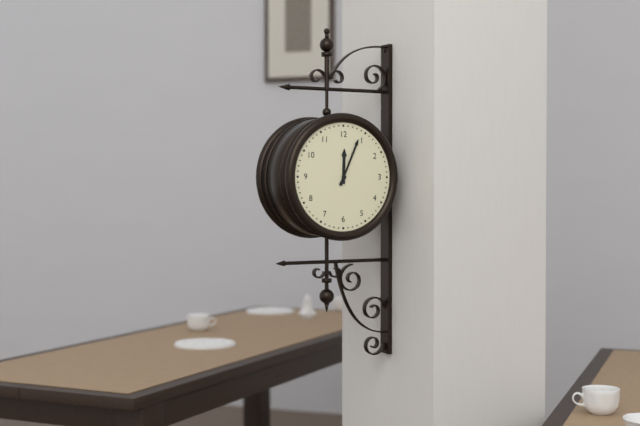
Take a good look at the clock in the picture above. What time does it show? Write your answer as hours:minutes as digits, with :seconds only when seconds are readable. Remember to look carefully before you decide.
12:04
